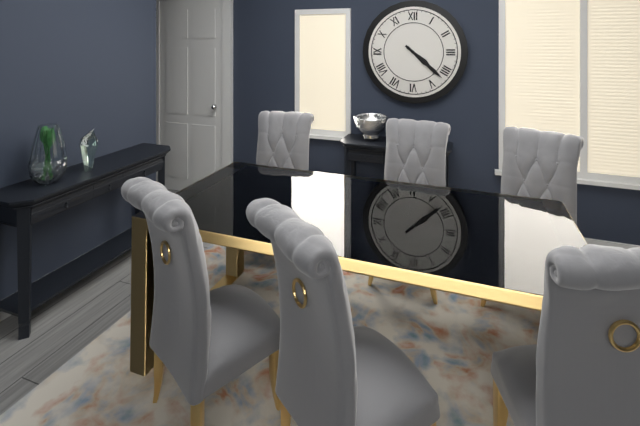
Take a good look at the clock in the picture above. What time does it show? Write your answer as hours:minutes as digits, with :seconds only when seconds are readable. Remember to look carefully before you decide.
4:22
